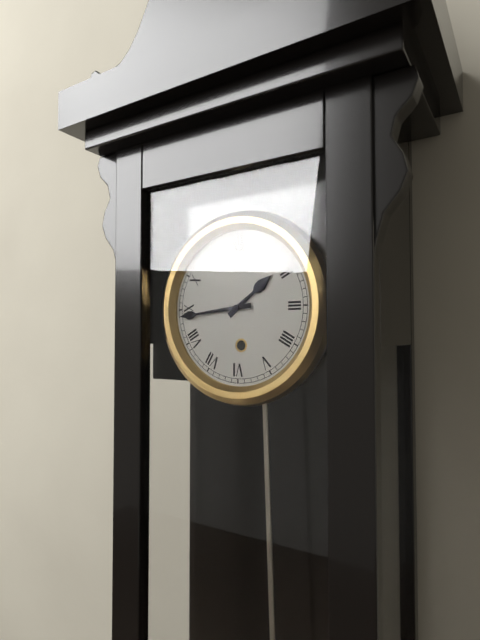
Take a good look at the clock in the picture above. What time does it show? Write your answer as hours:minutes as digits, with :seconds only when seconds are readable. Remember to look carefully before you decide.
1:44
